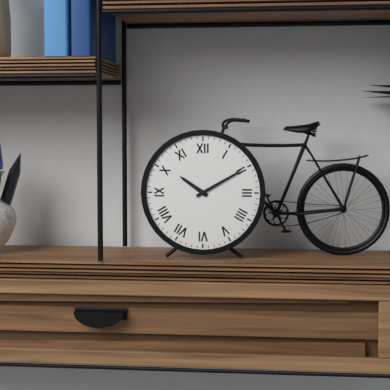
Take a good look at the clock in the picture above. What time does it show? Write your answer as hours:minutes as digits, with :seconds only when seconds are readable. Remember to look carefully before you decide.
10:10
